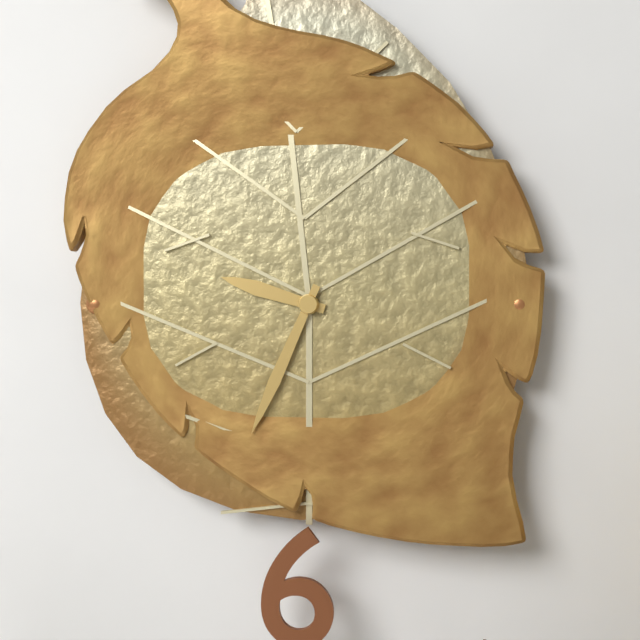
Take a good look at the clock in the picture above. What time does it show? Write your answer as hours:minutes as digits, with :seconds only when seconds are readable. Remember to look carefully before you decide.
9:34
